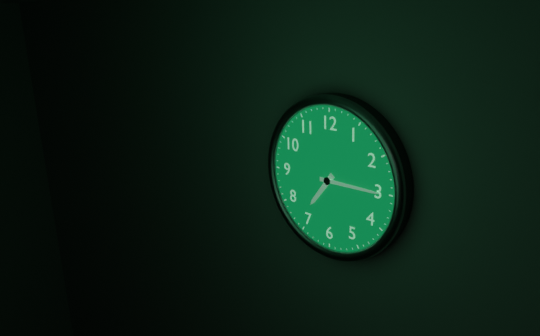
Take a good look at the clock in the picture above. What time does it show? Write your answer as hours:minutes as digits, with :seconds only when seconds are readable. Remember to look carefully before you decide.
7:15
